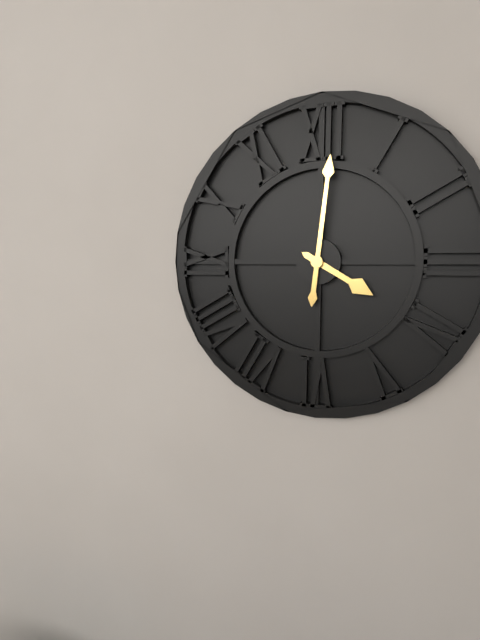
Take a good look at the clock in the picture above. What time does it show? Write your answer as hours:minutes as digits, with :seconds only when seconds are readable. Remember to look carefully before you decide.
4:01
